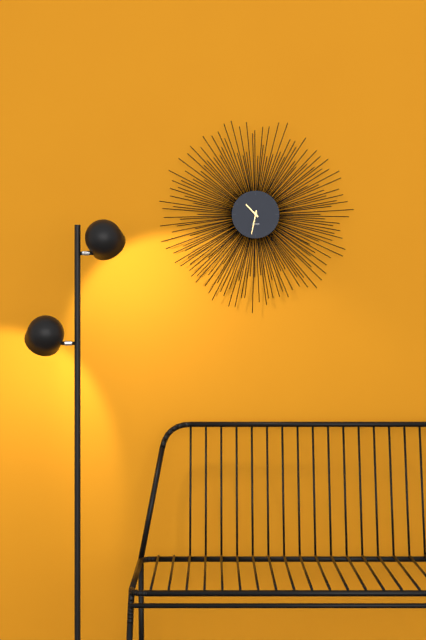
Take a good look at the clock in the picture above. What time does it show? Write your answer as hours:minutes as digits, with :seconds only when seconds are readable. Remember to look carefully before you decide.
10:32
